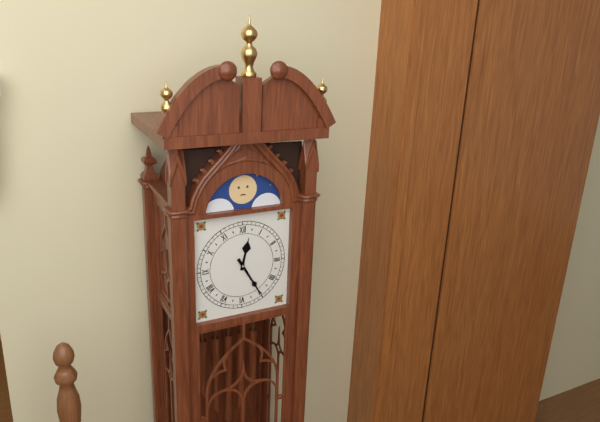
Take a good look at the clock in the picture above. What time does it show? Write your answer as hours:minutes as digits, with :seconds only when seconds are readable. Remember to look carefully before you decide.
12:25
